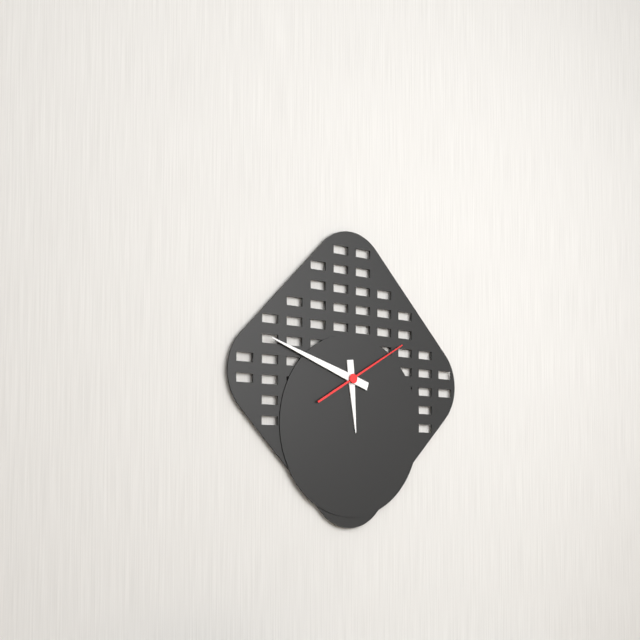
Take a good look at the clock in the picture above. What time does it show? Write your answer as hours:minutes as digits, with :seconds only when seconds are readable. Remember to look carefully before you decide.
5:48:10
